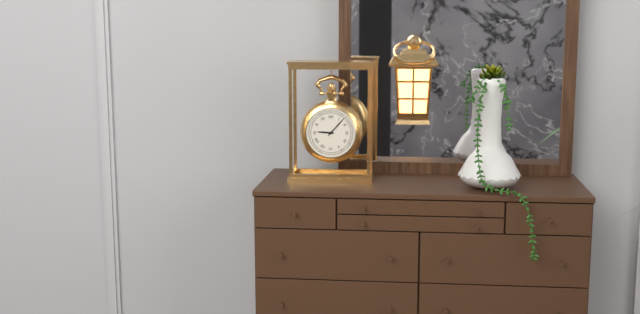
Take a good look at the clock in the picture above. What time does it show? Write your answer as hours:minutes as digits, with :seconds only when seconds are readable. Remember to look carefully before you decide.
9:07
